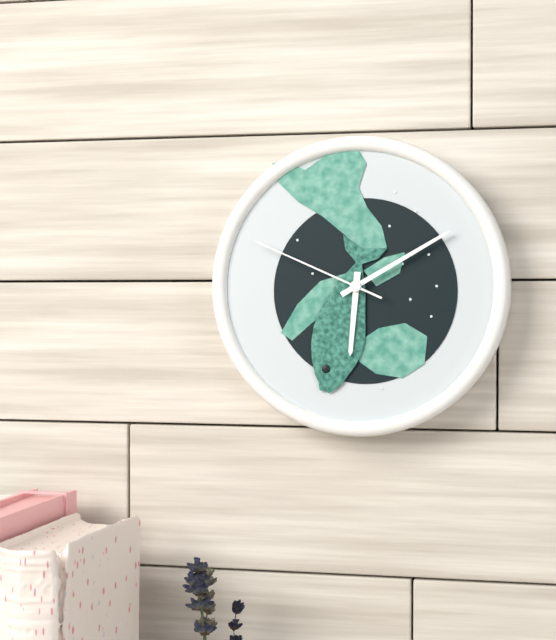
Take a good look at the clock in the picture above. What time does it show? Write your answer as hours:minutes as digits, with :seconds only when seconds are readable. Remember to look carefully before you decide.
6:10:49
